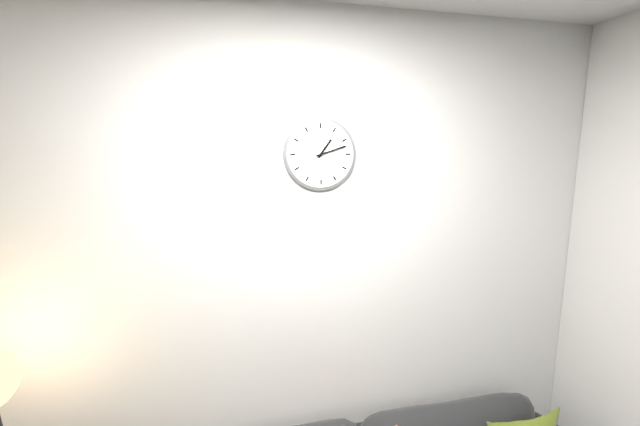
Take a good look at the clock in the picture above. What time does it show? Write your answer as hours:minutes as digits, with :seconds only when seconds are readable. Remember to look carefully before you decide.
1:12
